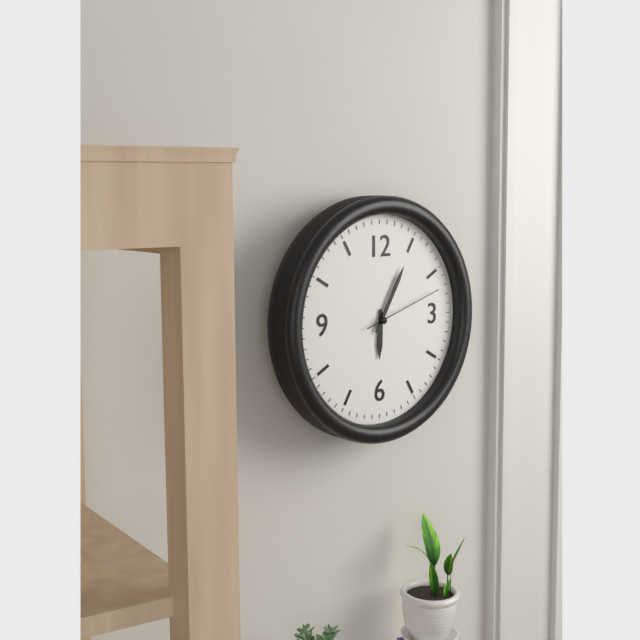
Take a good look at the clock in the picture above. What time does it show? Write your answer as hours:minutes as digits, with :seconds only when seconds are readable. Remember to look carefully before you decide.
6:05:12
